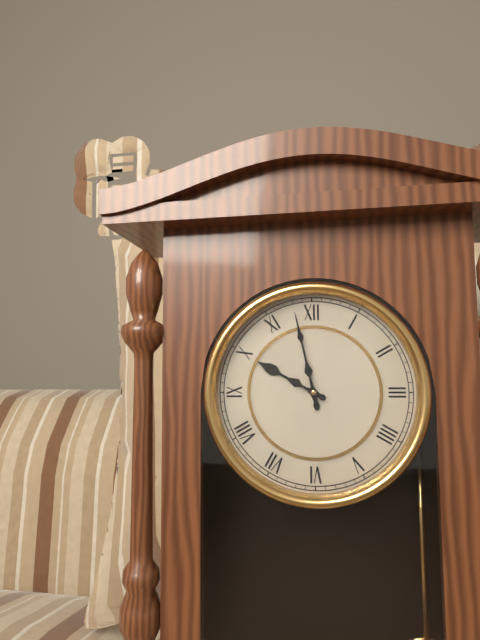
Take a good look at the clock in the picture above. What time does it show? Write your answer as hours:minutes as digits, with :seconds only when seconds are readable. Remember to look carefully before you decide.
9:58
